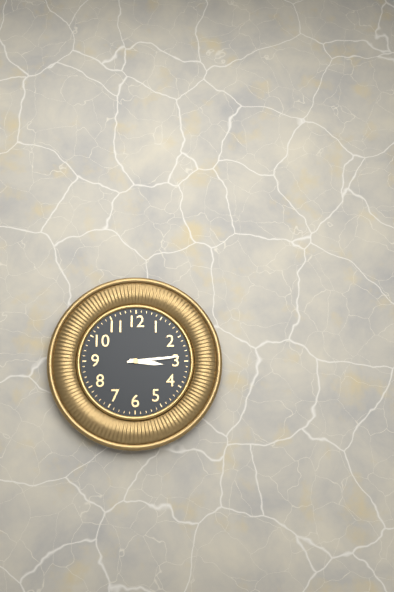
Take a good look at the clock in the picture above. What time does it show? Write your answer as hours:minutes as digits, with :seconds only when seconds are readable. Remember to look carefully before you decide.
3:14
